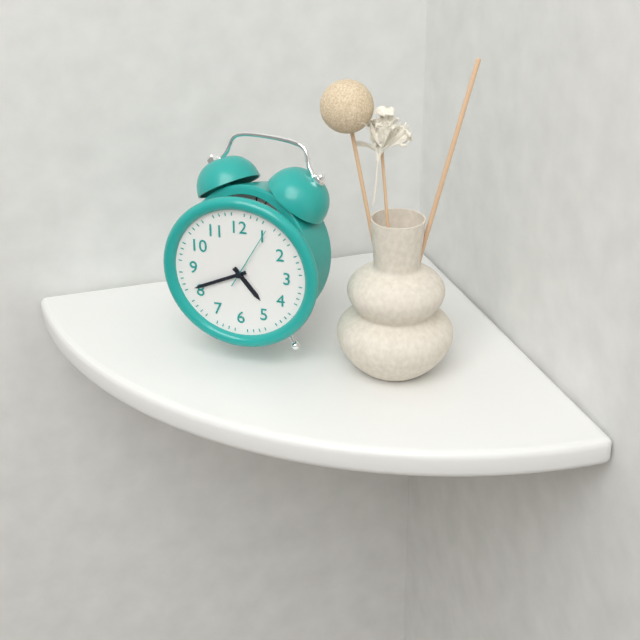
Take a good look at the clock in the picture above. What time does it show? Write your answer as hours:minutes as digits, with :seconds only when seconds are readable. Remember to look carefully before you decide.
4:41:05
